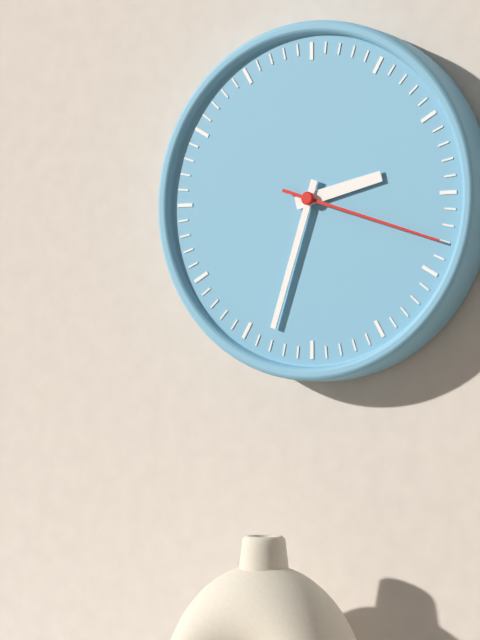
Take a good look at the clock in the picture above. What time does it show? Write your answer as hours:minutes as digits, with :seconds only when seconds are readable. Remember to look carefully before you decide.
2:33:18
